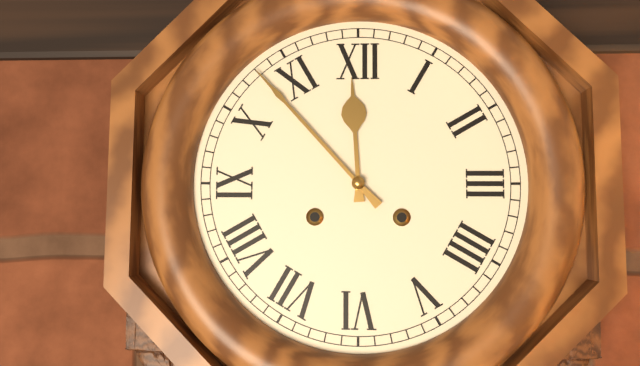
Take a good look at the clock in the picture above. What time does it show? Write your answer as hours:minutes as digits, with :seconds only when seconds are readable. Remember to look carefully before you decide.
11:53
